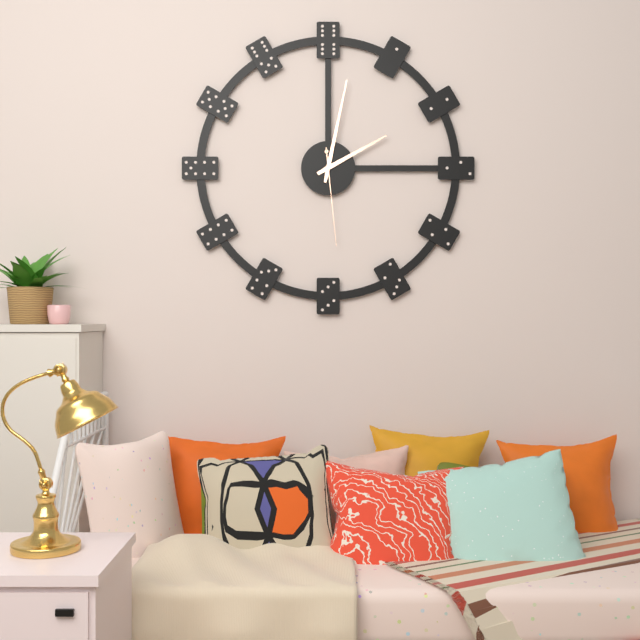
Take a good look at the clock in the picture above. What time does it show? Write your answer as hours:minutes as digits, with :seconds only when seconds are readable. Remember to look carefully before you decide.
2:02:29
